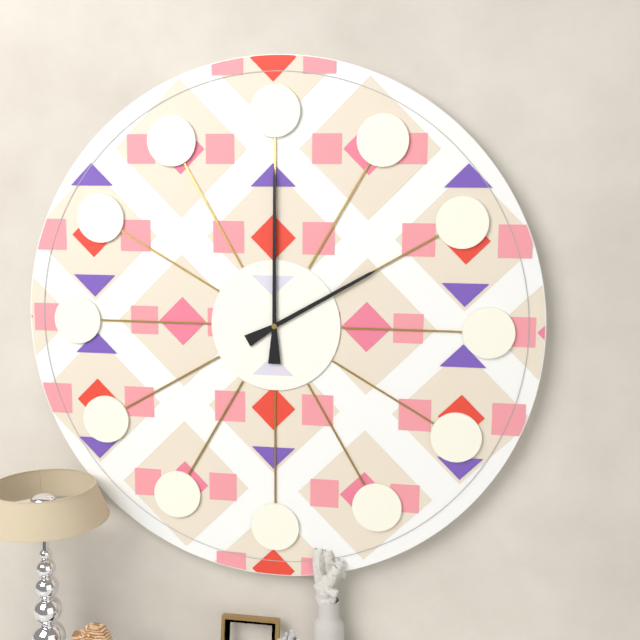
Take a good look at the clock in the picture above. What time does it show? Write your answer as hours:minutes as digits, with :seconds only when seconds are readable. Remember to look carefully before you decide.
2:00
